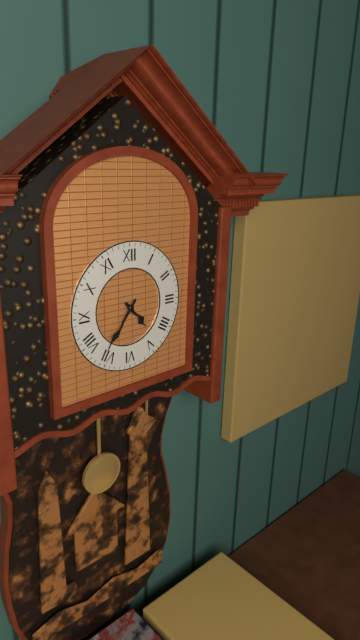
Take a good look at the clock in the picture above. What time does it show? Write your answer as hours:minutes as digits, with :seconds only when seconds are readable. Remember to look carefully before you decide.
4:36
